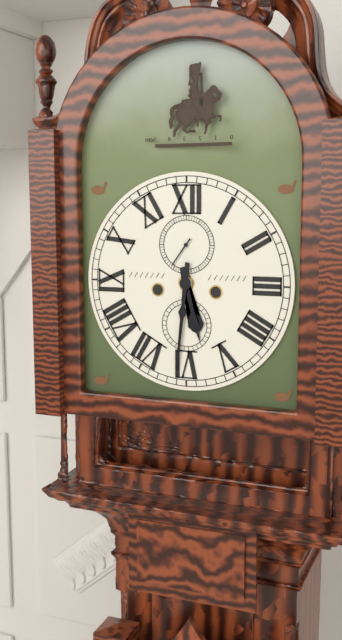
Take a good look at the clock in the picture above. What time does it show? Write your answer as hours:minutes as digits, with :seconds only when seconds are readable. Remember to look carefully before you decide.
5:31
